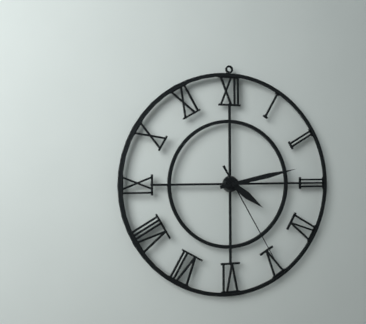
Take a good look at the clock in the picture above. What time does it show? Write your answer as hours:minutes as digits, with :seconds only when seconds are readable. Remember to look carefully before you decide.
4:13:25
